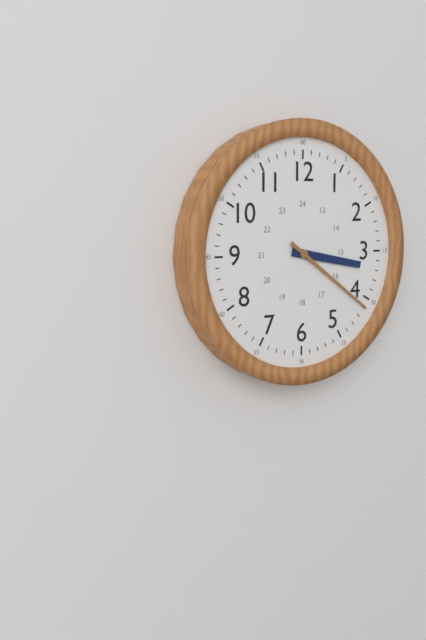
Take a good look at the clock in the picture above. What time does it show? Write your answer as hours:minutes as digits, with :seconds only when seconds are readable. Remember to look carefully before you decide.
3:21
